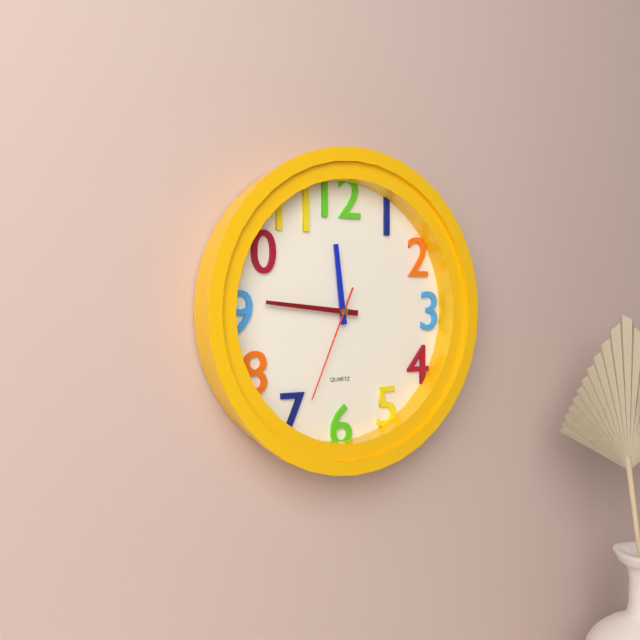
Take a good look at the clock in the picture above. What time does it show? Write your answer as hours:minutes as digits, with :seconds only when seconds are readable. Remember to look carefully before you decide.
11:46:34
